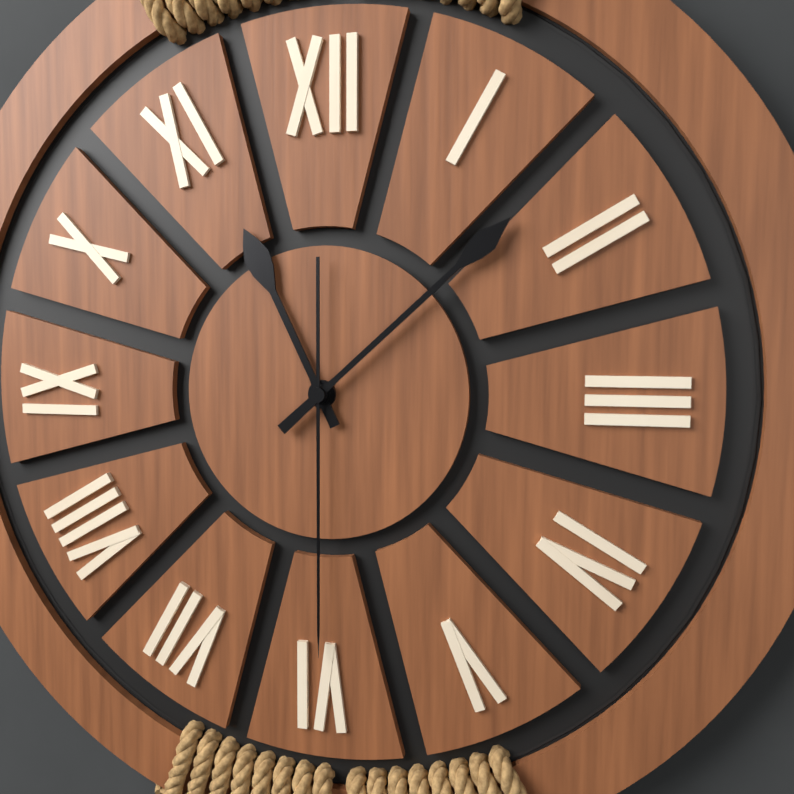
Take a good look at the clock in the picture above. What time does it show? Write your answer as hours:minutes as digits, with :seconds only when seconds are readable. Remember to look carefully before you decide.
11:08:30
